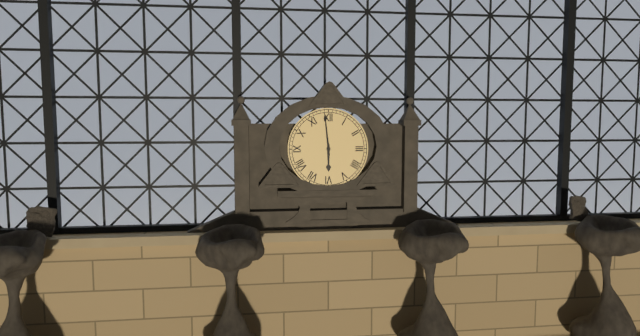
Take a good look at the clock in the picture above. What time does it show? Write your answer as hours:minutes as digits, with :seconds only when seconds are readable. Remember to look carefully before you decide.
5:59
